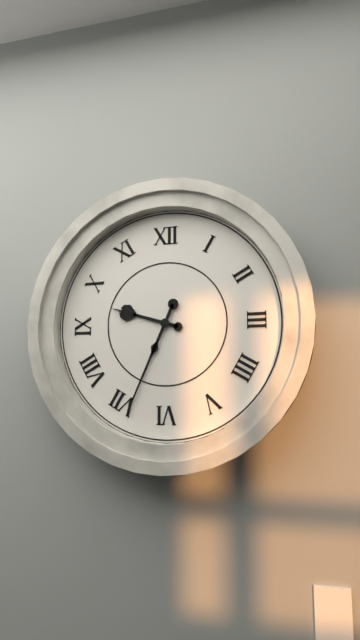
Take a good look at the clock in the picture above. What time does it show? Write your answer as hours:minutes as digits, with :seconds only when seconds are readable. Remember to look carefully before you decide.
9:34
